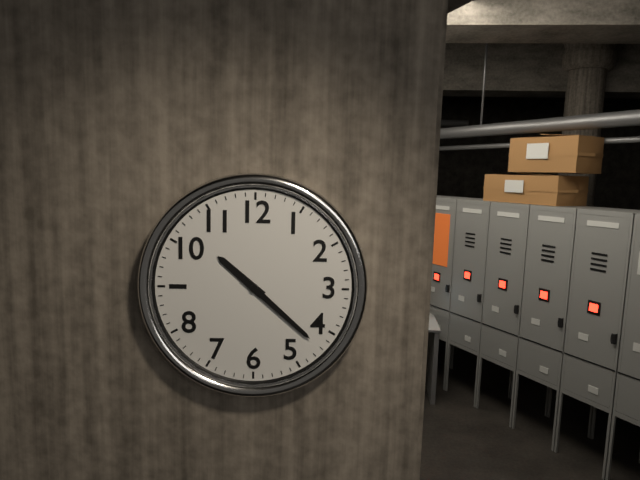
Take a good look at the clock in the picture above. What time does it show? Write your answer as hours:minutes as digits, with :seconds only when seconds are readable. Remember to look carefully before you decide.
10:22
